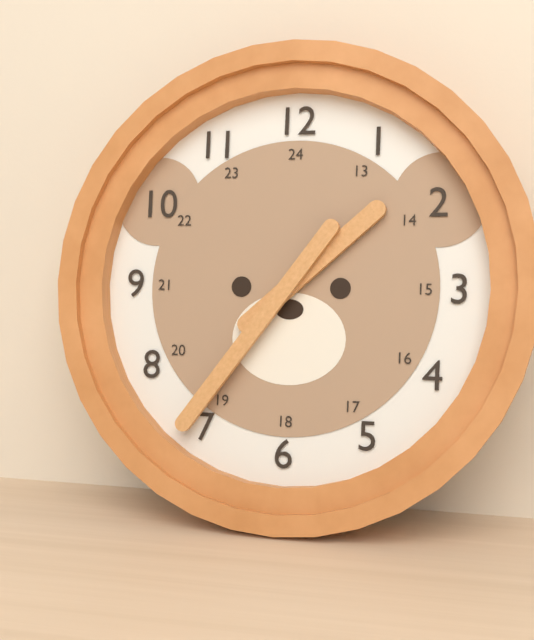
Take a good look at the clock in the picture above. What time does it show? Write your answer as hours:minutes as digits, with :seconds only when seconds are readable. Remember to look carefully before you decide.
1:36
